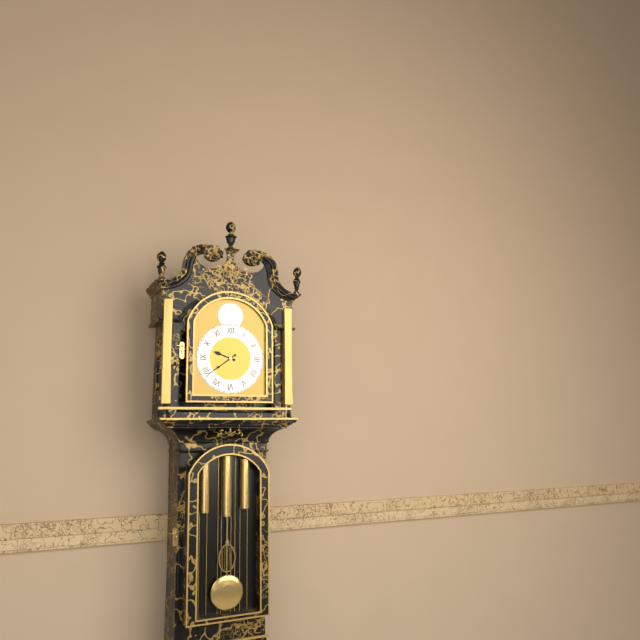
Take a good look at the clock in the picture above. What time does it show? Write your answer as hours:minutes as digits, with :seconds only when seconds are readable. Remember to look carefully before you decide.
9:39
